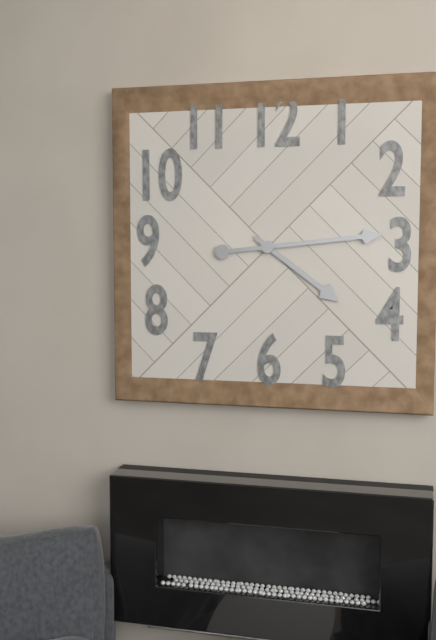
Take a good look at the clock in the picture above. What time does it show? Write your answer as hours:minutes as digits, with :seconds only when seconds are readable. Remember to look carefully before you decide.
4:14
